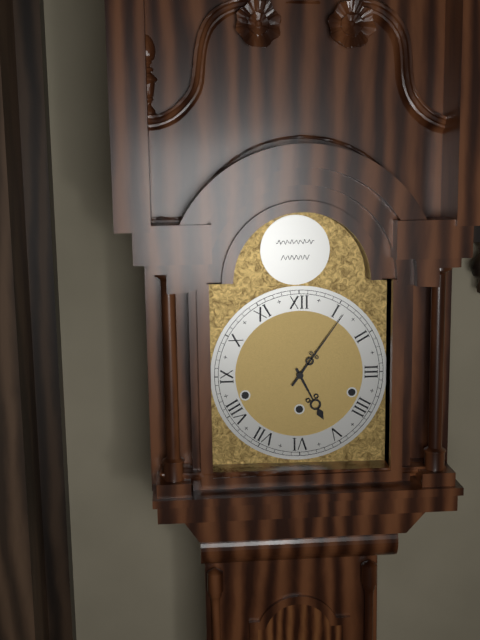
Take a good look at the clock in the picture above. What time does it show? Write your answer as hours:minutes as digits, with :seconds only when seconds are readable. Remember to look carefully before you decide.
5:06
